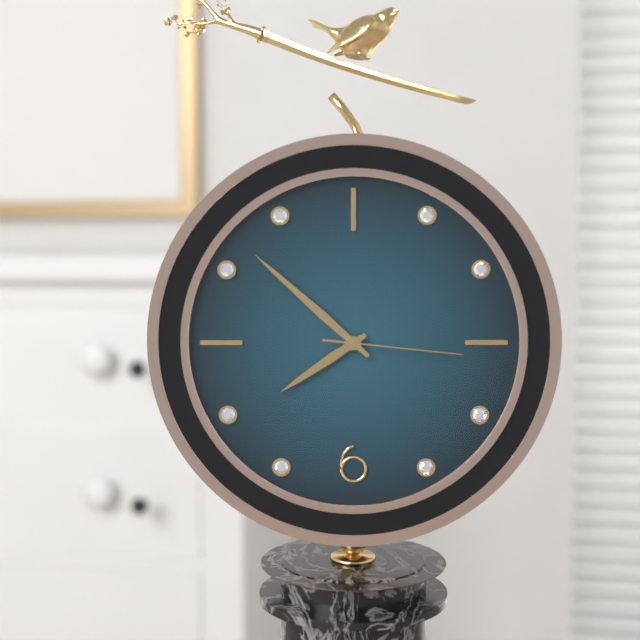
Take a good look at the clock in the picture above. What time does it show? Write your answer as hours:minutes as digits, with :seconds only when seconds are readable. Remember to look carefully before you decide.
7:52:16
